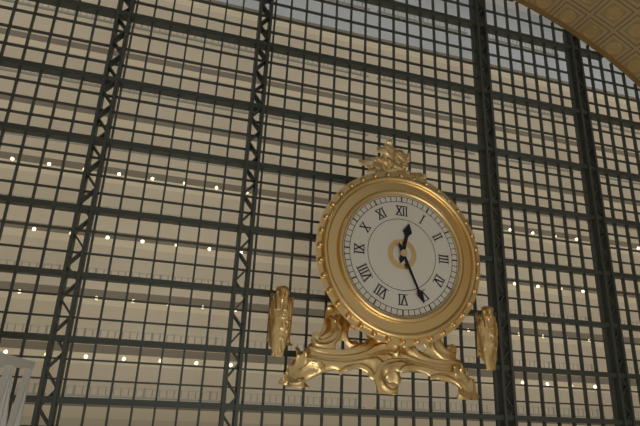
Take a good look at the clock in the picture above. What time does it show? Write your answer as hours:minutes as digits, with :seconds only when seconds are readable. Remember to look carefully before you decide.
12:26
